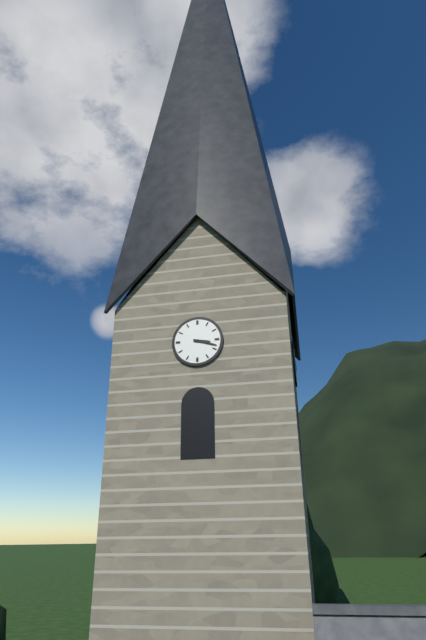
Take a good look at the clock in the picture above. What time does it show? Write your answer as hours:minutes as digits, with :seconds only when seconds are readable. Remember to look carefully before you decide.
3:18
